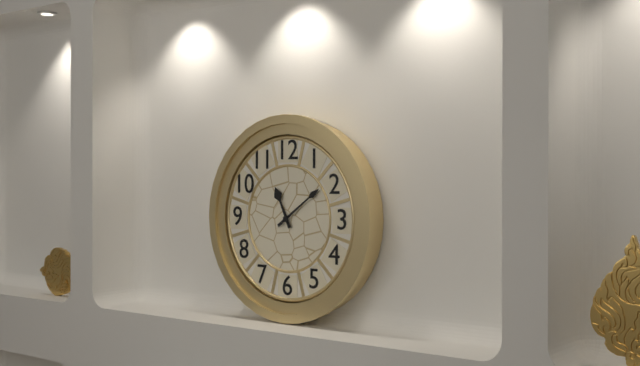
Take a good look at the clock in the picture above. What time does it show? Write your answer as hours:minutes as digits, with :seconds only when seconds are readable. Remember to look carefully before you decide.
11:09
